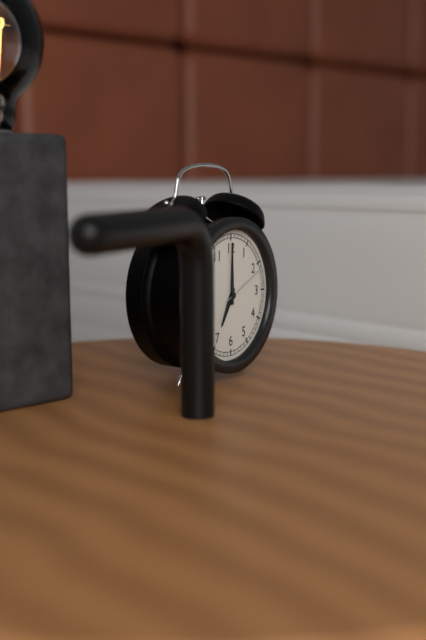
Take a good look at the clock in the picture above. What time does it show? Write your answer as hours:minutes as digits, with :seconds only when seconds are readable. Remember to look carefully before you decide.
7:00:11
